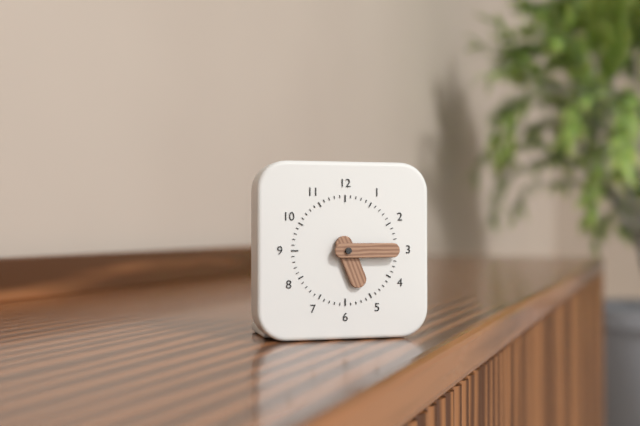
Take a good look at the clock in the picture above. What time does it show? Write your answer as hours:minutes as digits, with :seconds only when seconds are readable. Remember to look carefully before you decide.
5:15
